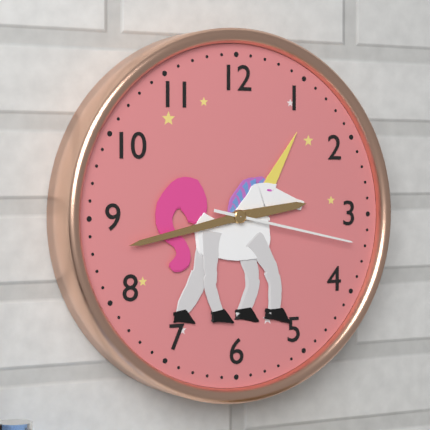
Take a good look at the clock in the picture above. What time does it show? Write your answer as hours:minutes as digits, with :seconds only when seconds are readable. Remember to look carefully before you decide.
2:43:17
